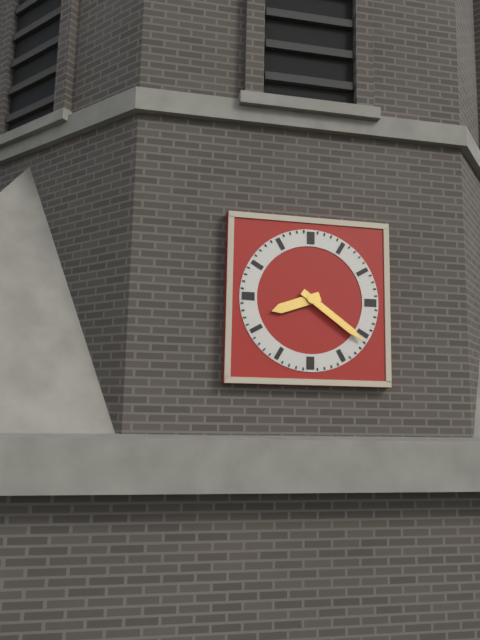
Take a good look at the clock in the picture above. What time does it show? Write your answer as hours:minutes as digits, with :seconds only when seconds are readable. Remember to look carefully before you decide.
8:21
